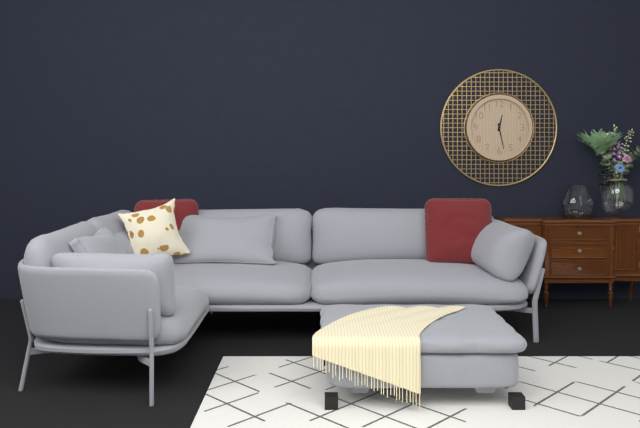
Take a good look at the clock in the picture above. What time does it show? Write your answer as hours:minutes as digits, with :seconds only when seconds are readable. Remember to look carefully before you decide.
12:28
